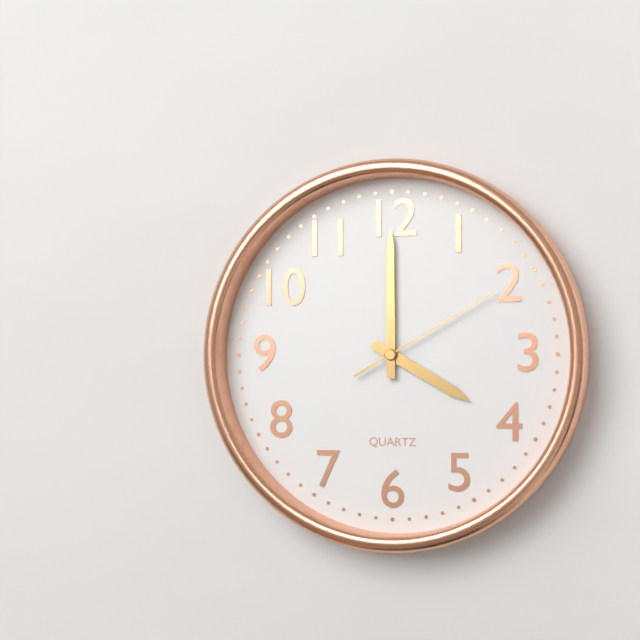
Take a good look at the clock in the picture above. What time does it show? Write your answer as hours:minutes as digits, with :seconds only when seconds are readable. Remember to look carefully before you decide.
4:00:10
